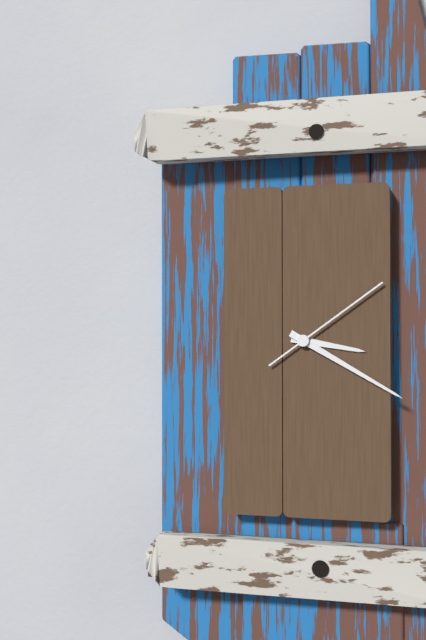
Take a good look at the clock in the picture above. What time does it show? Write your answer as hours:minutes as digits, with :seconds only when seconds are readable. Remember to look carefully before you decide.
3:20:09
